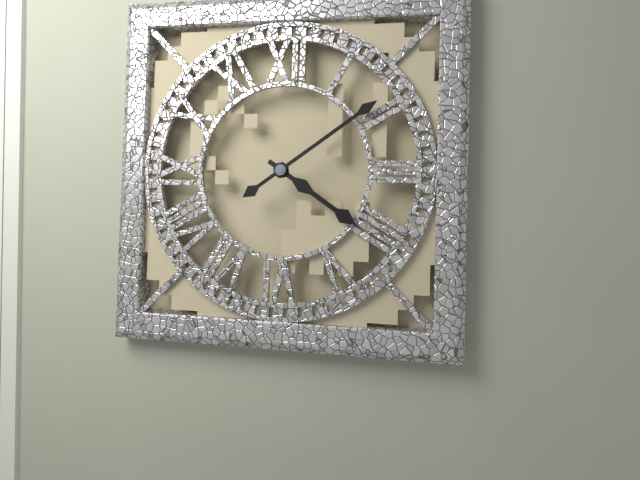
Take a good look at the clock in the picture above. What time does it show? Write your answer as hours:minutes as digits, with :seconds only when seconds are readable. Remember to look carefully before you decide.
4:09
